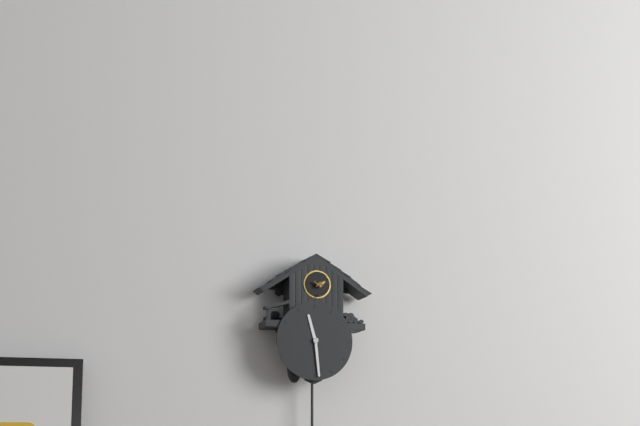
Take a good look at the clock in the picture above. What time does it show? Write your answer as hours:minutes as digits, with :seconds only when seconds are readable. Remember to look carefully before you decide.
11:29
